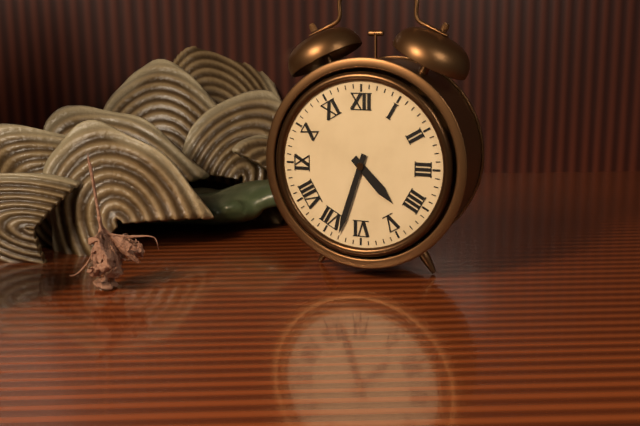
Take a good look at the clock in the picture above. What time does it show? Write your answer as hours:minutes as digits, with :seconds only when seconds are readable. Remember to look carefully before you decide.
4:33
